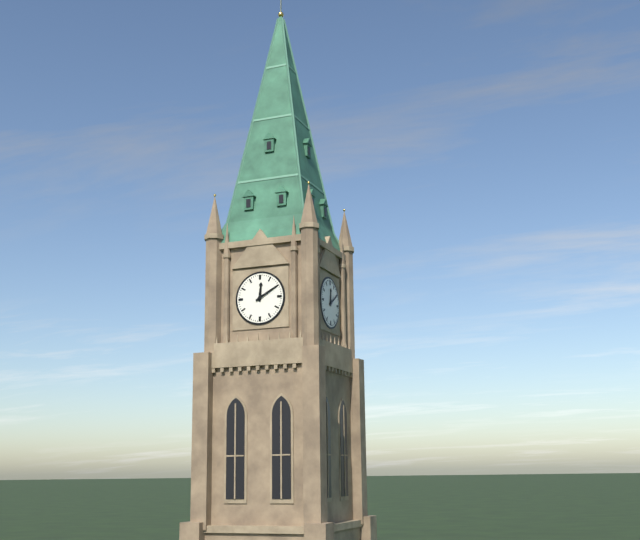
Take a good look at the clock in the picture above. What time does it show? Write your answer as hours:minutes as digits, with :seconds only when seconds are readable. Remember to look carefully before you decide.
12:10
